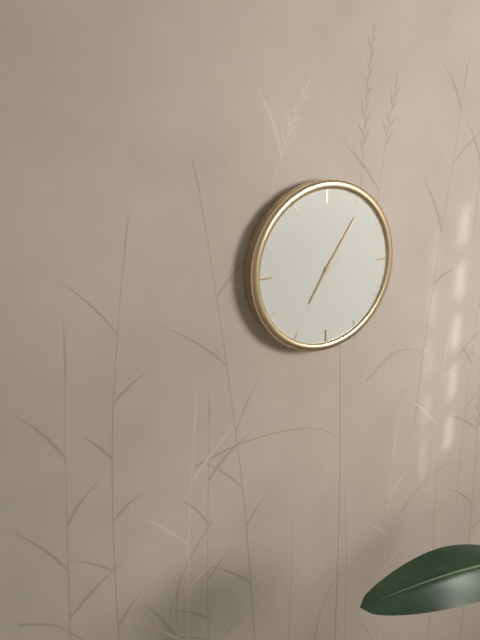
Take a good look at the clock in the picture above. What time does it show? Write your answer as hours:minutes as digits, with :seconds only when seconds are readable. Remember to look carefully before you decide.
7:06
